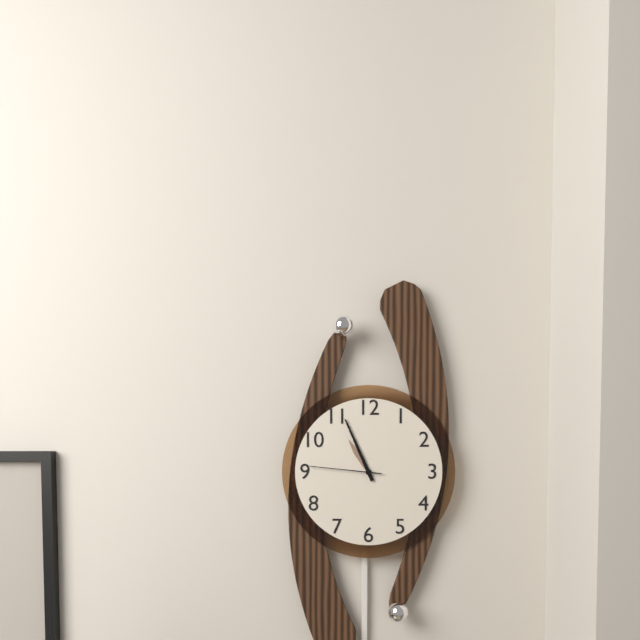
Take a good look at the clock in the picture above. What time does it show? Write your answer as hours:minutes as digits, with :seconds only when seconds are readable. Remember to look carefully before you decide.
10:56:46
